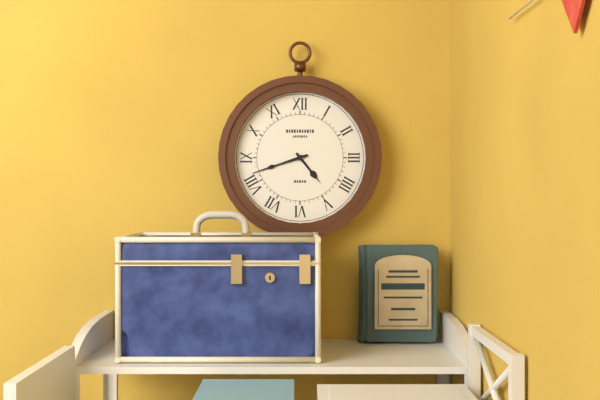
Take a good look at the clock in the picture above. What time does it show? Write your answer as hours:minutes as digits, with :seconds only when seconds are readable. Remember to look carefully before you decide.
4:42
